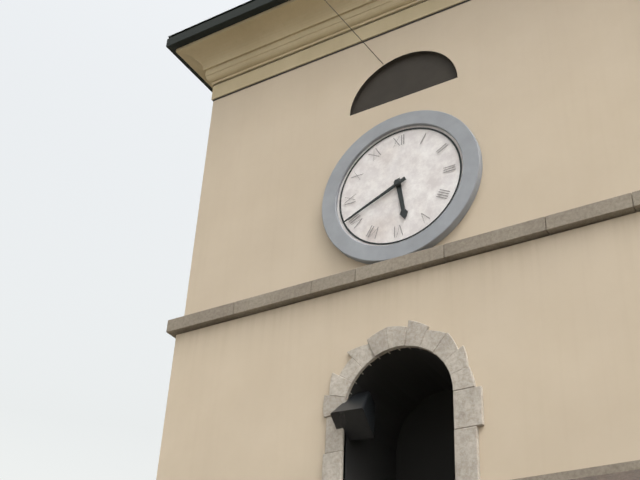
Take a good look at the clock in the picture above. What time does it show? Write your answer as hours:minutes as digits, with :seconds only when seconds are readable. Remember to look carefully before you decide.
5:41
